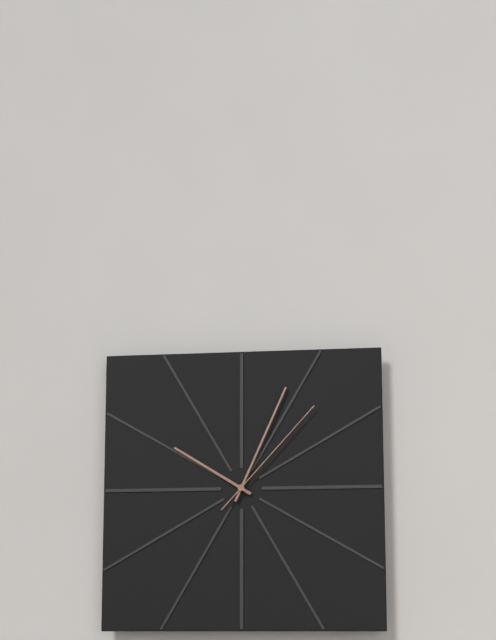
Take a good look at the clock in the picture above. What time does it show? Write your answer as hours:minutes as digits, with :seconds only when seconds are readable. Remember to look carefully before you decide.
10:04:07
